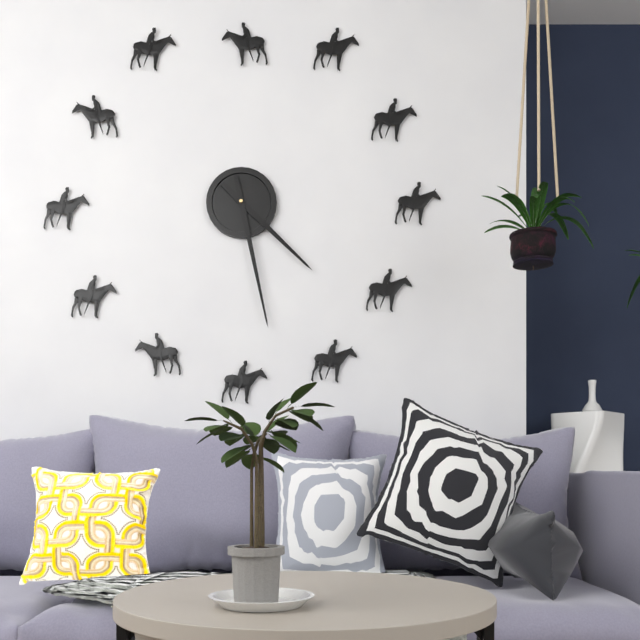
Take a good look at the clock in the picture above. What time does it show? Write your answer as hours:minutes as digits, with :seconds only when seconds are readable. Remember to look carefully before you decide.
4:28
